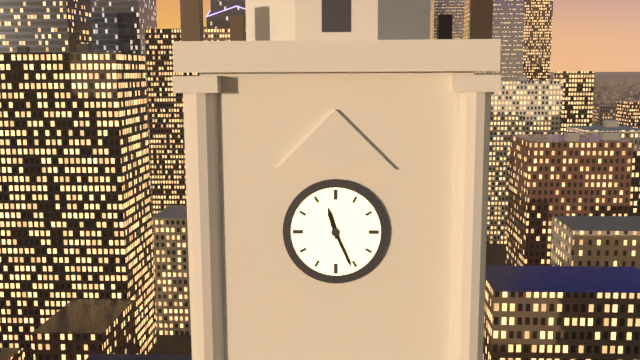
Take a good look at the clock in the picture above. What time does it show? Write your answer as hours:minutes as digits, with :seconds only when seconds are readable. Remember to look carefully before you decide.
11:26
